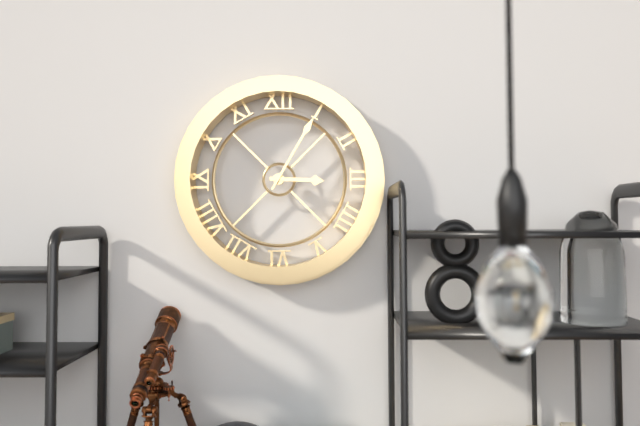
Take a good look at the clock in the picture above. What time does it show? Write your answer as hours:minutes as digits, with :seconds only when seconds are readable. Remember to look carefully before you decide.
3:05
